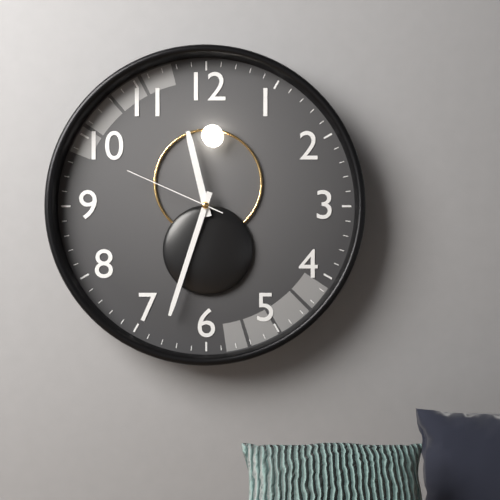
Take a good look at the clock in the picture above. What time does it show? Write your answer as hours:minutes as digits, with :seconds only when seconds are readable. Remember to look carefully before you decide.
11:33:49
